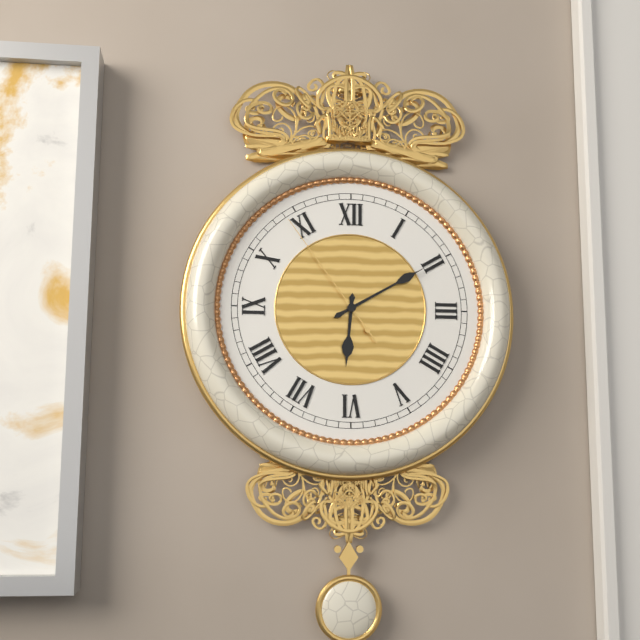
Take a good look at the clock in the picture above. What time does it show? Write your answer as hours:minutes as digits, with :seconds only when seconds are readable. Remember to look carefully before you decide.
6:10:54
